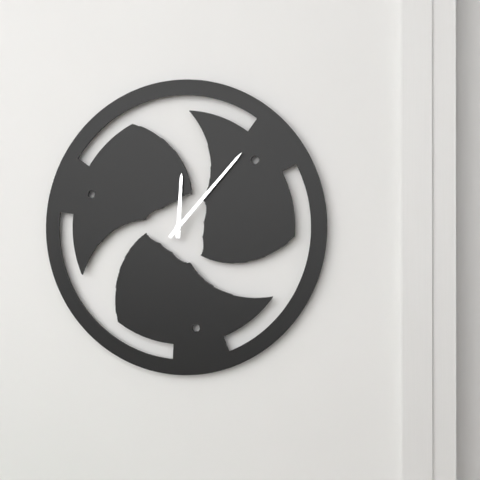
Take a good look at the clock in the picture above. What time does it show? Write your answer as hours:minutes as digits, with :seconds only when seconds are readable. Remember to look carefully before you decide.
12:07
